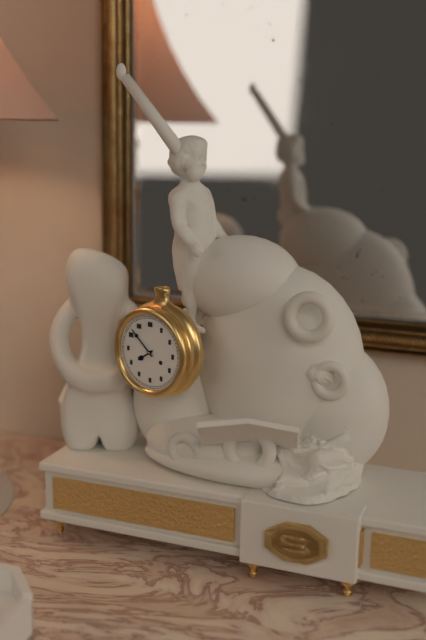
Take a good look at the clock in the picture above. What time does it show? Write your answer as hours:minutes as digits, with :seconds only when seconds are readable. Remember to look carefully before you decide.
7:52
